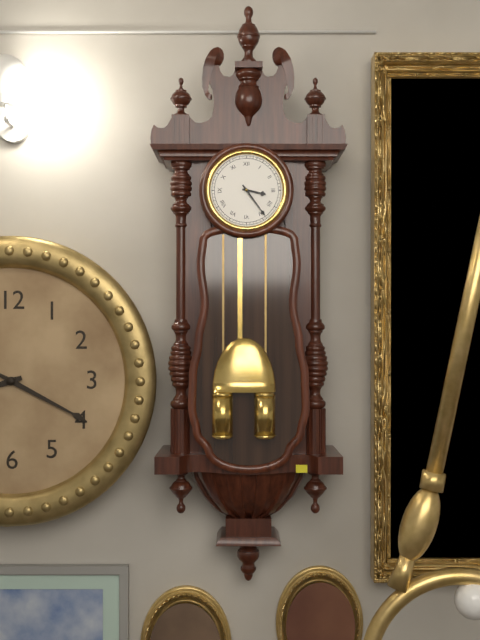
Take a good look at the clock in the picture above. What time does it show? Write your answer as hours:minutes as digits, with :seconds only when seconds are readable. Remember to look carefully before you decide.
3:24
